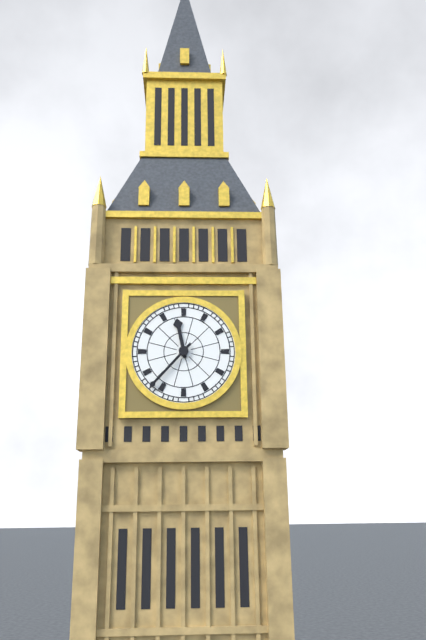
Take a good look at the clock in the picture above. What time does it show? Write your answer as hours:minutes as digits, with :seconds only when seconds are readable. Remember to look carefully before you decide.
11:37
